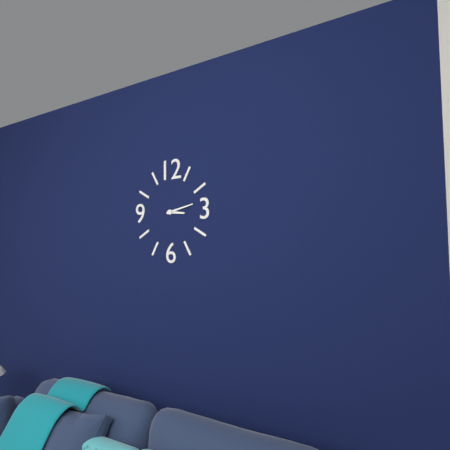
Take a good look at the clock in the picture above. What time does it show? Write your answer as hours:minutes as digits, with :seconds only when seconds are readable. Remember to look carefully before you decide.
3:13
